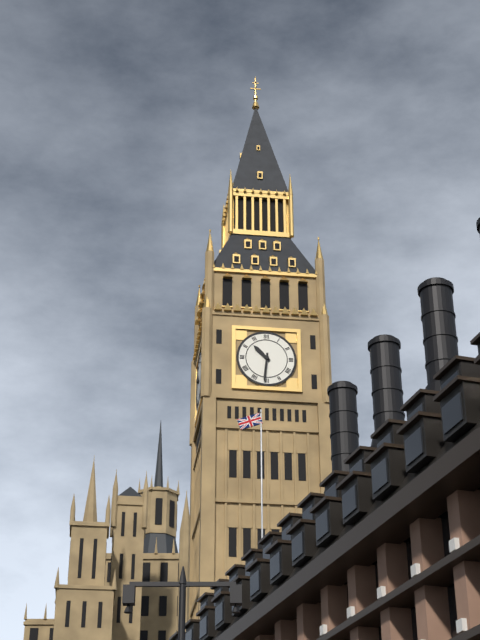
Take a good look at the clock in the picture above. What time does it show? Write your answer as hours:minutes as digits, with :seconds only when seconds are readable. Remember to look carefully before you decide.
10:31
